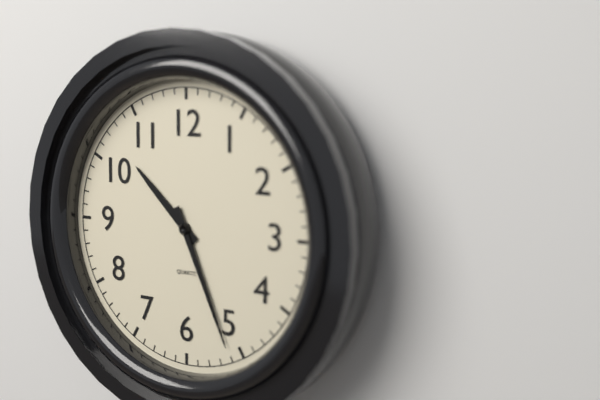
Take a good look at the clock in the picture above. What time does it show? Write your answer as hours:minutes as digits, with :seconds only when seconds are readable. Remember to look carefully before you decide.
10:26
